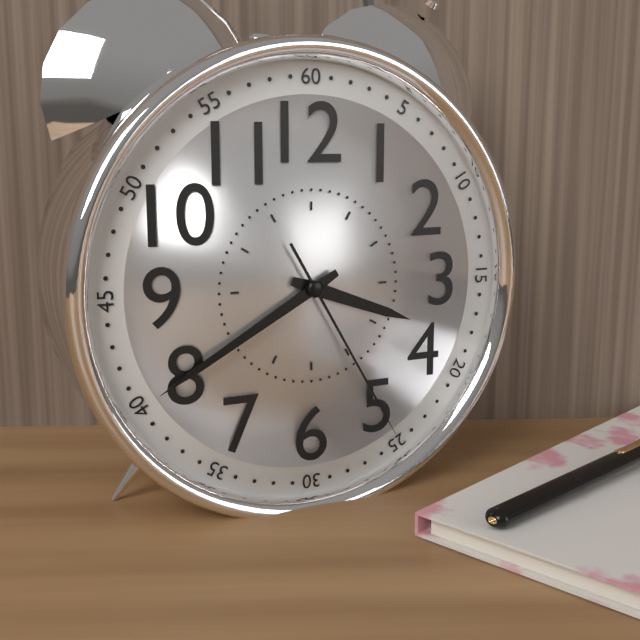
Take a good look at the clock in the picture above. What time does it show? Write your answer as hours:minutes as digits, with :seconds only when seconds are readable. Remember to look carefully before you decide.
3:40:25
